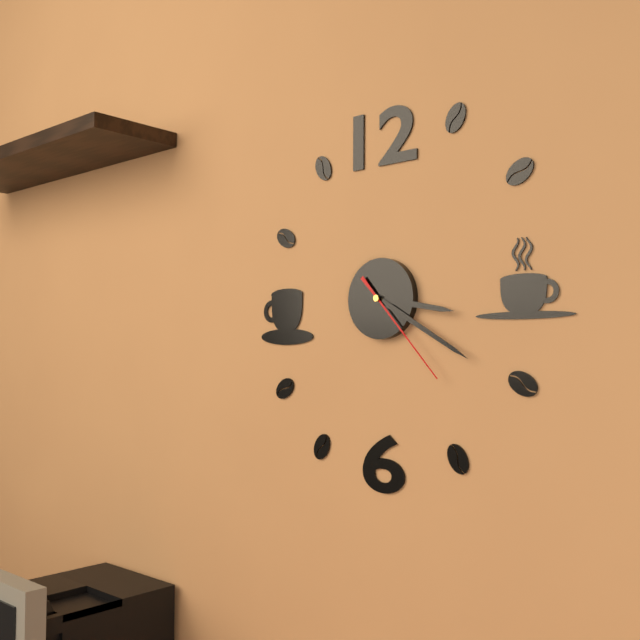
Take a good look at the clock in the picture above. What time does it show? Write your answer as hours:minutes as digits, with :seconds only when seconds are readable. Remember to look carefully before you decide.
3:20:23
